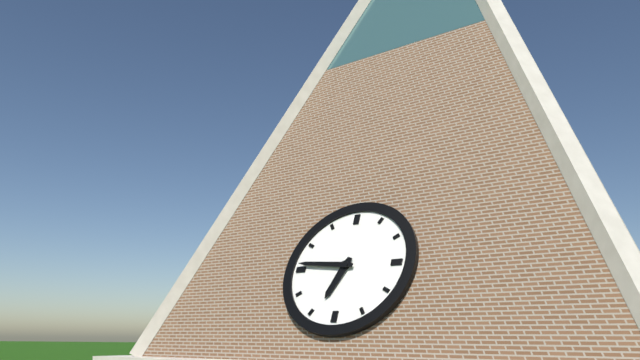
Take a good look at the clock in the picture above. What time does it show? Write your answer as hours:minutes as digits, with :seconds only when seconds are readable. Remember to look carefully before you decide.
6:46
